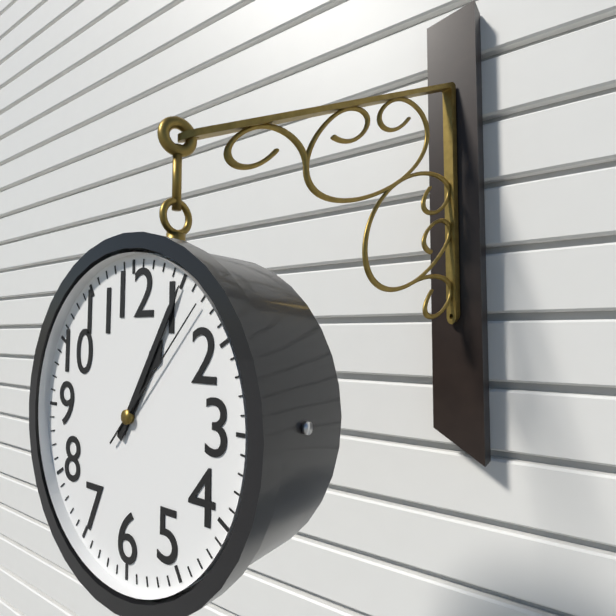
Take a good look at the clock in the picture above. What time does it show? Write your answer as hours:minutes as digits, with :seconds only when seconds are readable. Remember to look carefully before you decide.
1:05:07
